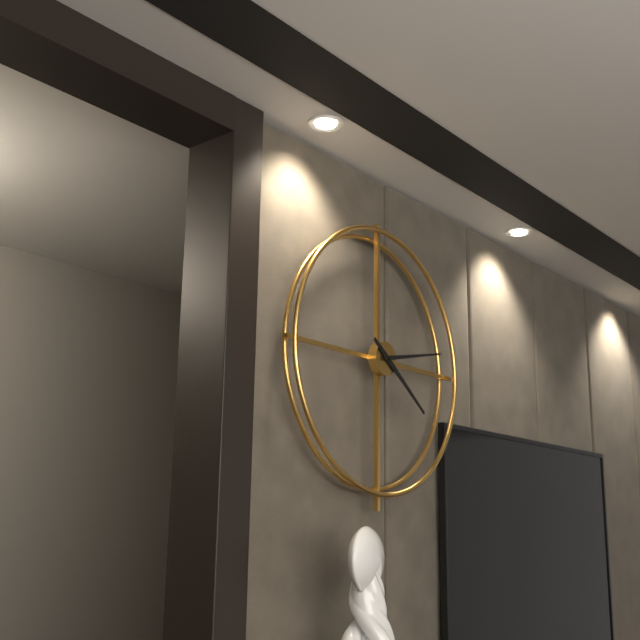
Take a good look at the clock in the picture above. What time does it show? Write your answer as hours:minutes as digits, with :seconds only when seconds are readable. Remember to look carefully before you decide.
4:13
